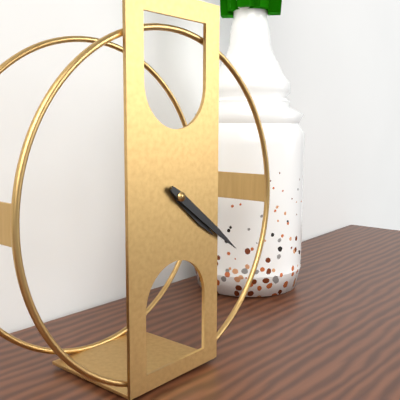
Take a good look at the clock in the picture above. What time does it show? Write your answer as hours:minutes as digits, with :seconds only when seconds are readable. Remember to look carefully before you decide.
4:21
